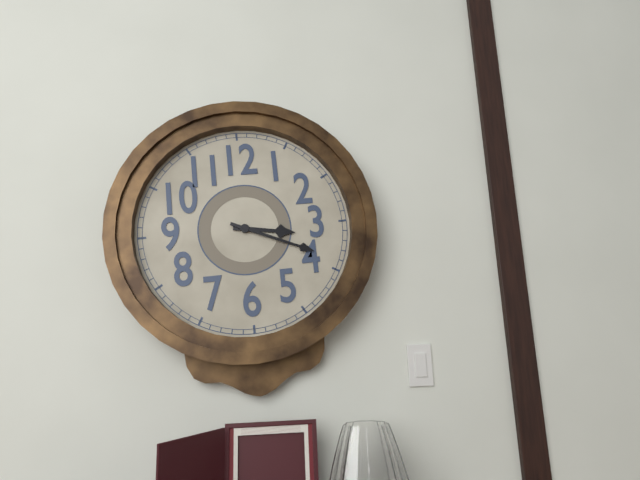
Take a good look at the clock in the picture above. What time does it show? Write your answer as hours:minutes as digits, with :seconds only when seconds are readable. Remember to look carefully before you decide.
3:19
